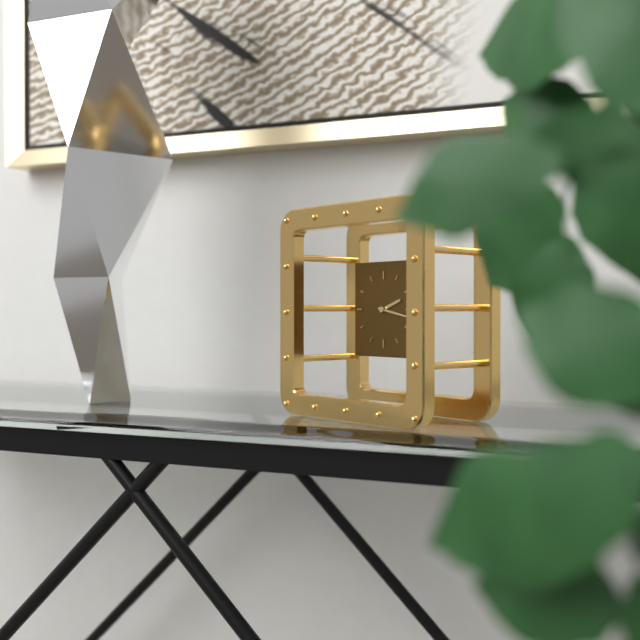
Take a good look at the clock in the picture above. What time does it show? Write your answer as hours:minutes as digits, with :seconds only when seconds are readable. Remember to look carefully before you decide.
2:17
